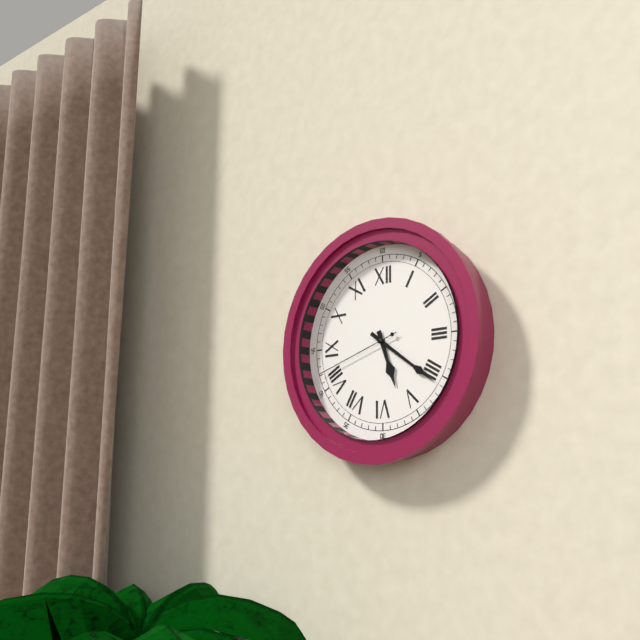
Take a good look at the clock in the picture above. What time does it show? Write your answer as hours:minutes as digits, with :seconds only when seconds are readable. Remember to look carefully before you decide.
5:21:42
